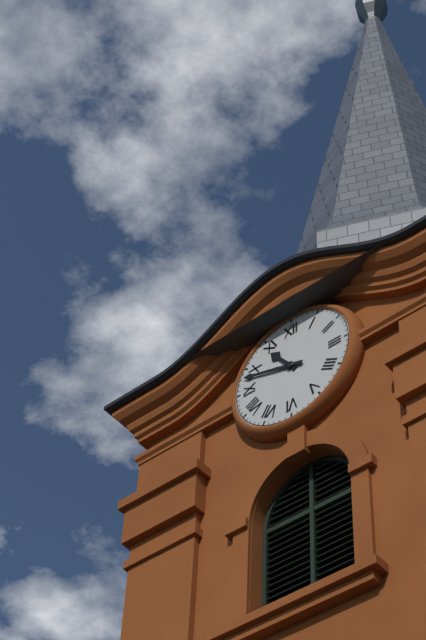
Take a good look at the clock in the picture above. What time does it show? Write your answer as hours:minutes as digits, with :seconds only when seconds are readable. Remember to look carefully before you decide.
10:48
